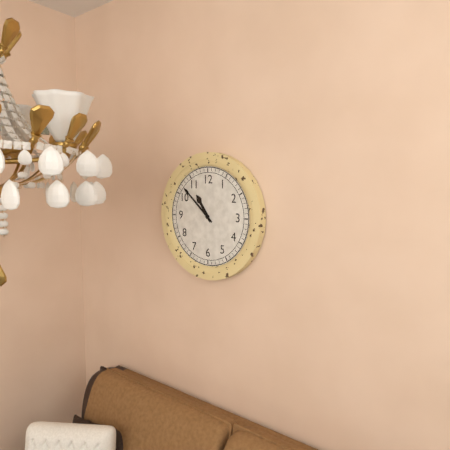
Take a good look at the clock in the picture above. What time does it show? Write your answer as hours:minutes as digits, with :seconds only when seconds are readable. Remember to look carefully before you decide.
10:52
